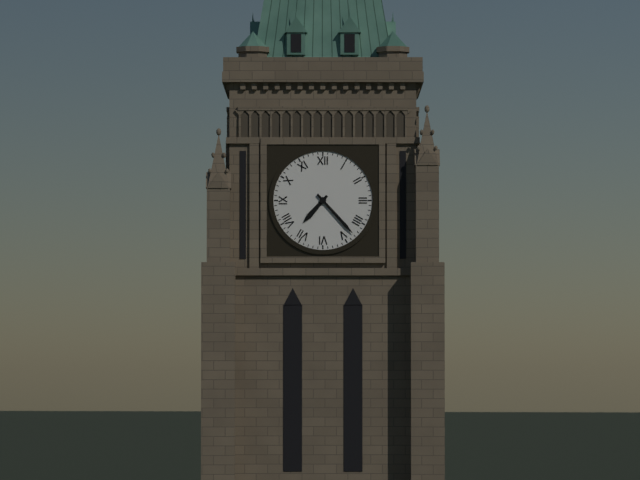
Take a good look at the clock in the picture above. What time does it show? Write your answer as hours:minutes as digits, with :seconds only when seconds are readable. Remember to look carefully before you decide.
7:23
